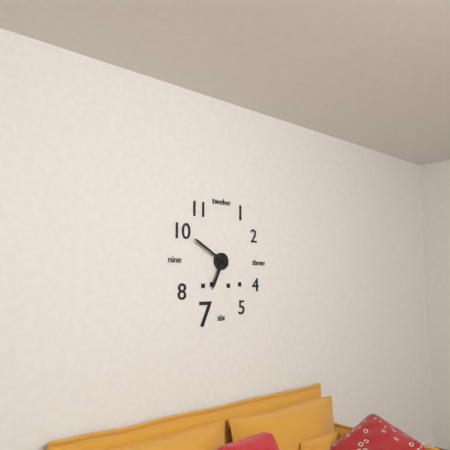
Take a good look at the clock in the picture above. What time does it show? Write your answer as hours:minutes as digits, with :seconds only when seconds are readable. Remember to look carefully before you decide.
6:50
